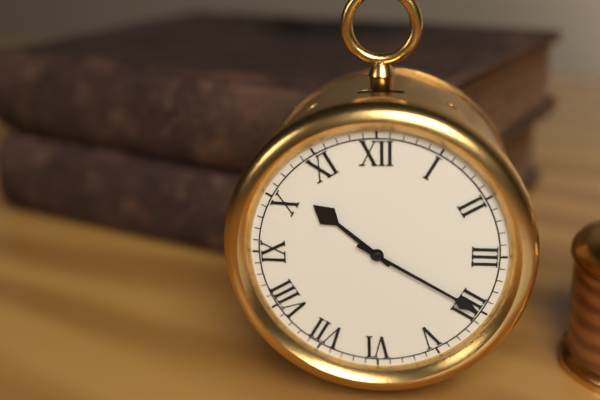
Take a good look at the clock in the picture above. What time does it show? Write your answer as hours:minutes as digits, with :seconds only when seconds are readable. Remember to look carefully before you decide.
10:20
